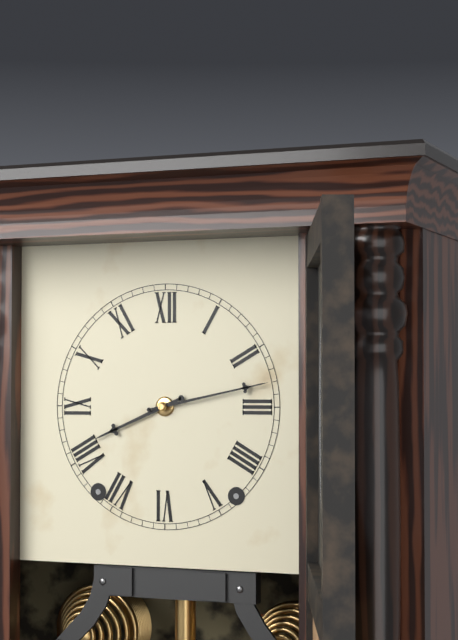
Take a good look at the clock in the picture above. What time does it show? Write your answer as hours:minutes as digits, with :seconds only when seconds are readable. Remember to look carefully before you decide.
8:13
